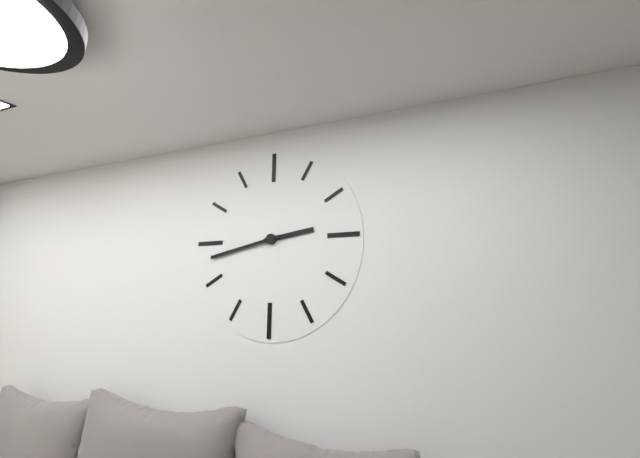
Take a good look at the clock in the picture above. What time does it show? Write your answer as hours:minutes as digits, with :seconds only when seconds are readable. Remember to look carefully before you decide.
2:43
